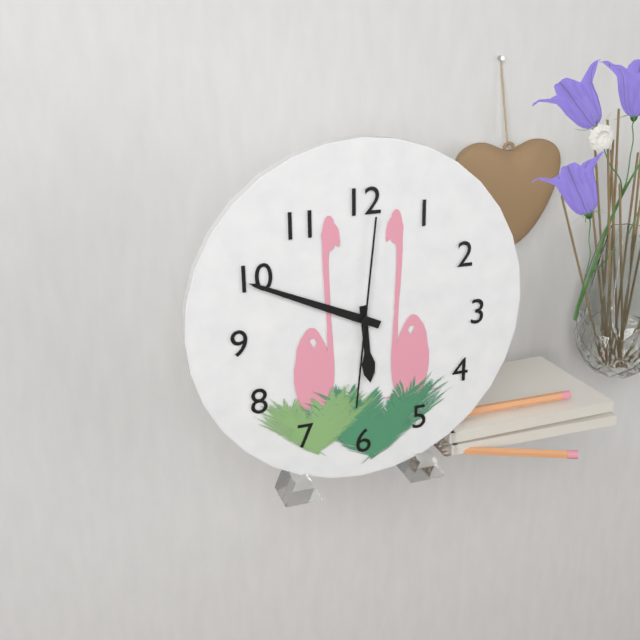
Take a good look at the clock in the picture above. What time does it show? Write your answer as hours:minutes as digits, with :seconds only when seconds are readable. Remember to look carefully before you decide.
5:49:01
